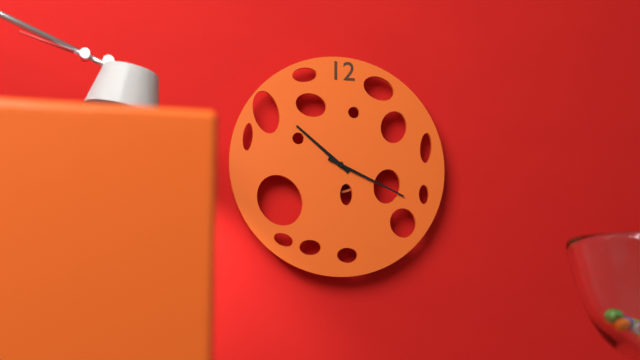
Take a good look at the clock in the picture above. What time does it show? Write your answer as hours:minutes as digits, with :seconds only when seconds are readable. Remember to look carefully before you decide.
10:19
